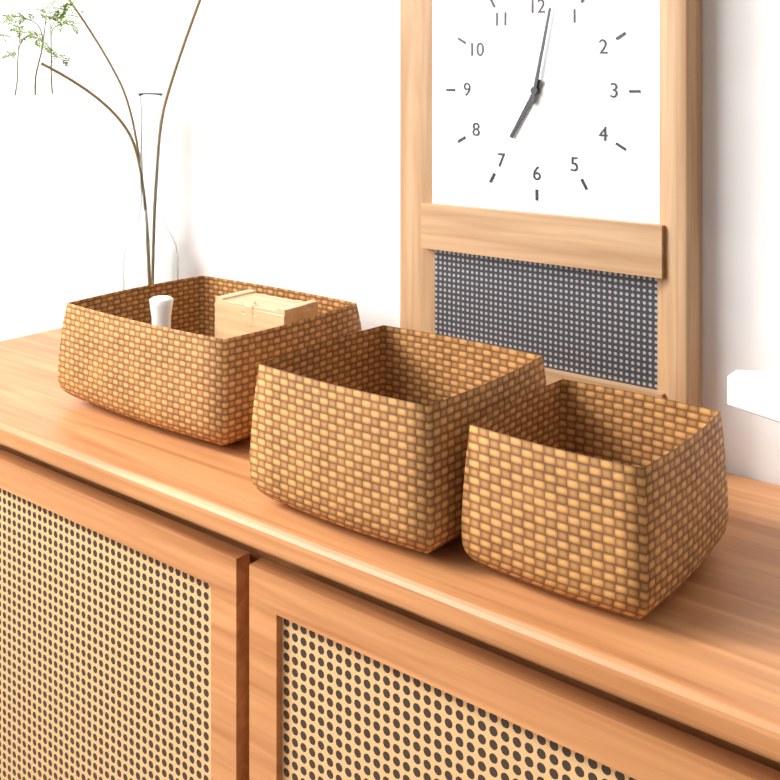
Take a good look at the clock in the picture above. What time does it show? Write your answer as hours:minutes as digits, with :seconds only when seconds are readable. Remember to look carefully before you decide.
7:02
